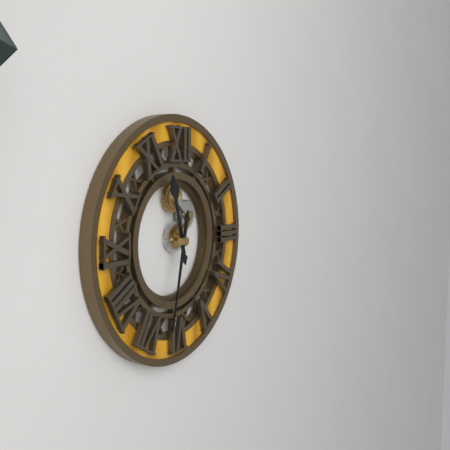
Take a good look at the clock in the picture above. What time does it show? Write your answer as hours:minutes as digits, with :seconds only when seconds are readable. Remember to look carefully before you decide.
11:32
